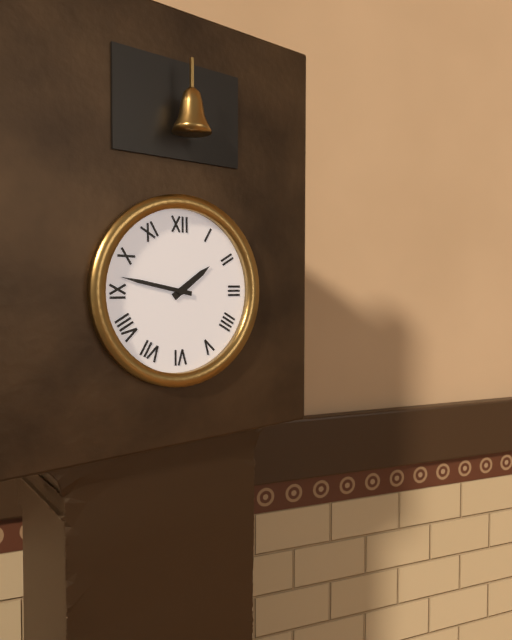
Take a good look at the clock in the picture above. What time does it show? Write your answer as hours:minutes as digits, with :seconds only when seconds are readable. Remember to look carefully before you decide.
1:47
